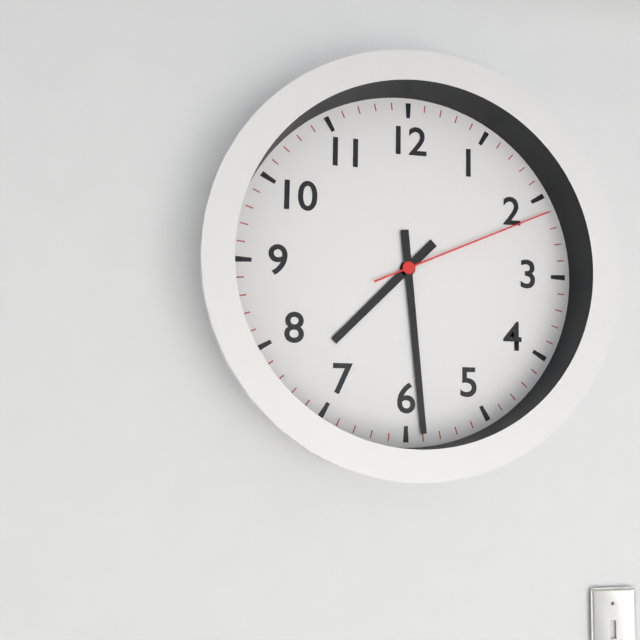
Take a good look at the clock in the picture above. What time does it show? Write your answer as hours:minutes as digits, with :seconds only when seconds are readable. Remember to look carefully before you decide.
7:29:11
